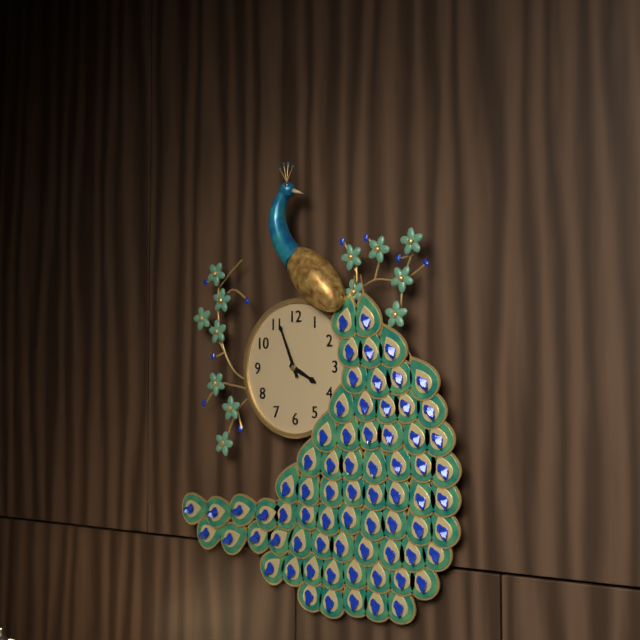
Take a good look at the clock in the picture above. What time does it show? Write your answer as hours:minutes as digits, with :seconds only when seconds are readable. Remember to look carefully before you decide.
3:56
